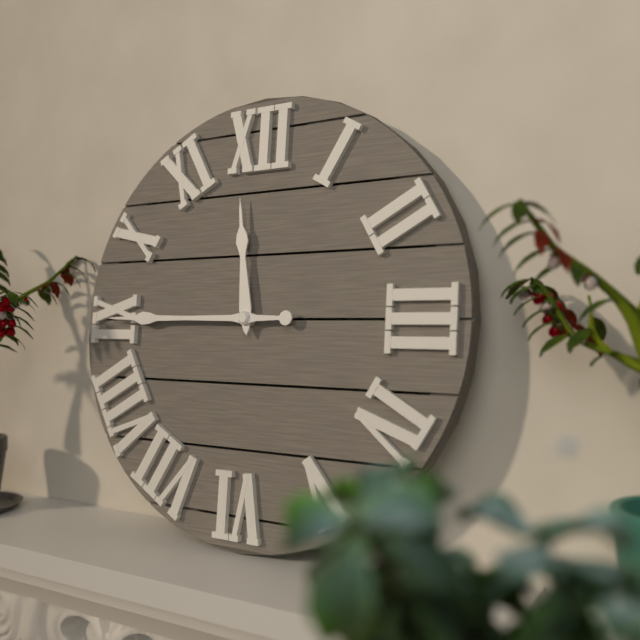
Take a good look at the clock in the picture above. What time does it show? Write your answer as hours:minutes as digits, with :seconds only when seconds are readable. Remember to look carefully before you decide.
11:45
